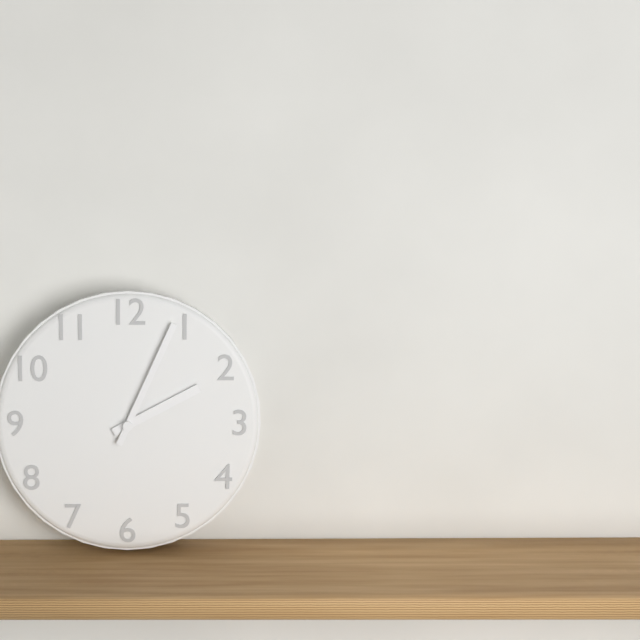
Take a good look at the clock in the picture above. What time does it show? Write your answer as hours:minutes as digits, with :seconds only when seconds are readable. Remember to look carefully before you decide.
2:04
